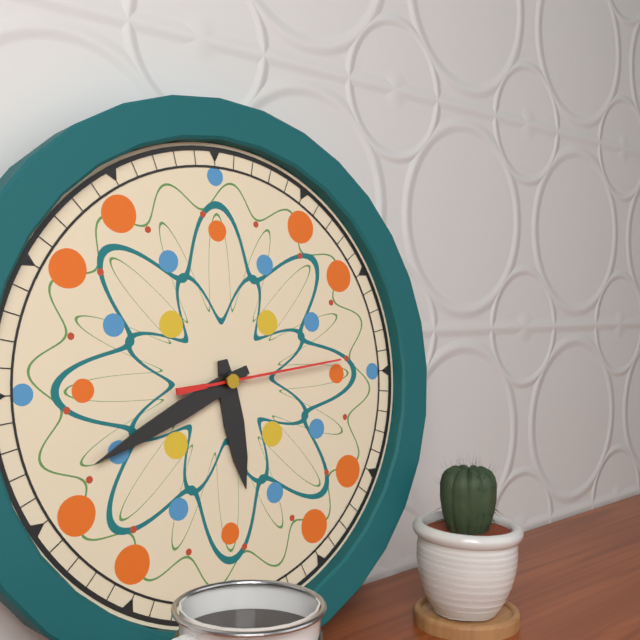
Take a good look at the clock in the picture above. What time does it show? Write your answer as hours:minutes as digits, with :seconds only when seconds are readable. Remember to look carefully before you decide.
5:41:14
